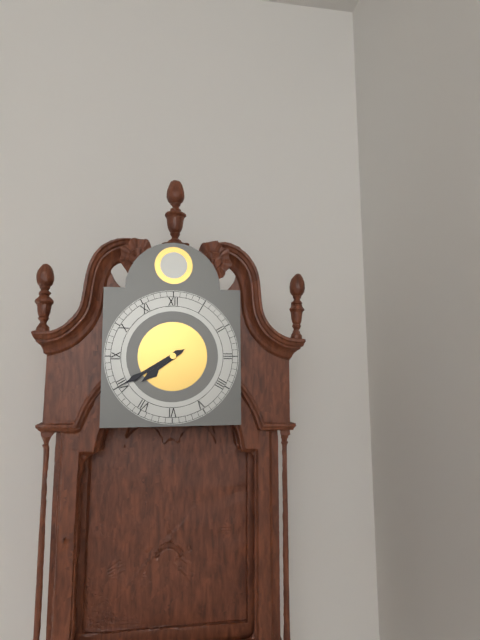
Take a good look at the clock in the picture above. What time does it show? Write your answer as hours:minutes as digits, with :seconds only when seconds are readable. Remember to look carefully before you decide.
7:40
